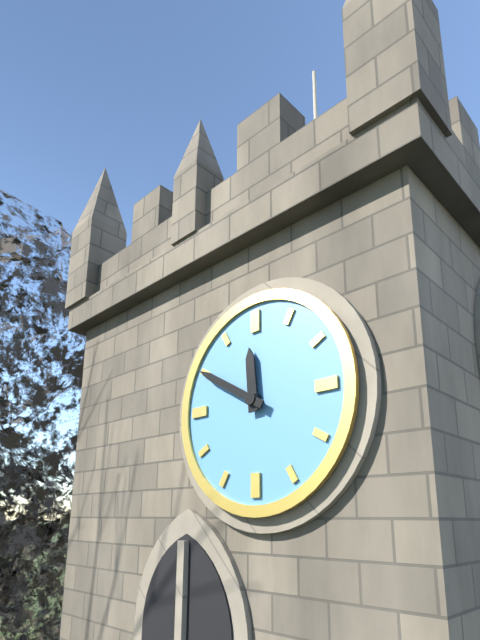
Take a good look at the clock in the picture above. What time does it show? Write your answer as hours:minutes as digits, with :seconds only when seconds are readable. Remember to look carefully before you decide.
11:50
